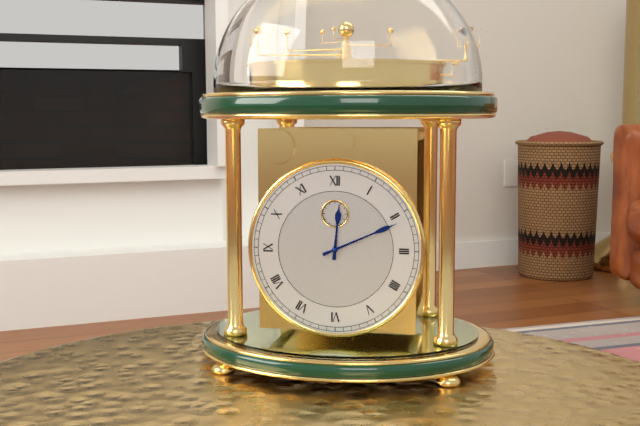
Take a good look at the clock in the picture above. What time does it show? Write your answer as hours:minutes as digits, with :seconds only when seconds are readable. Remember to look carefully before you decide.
12:11
